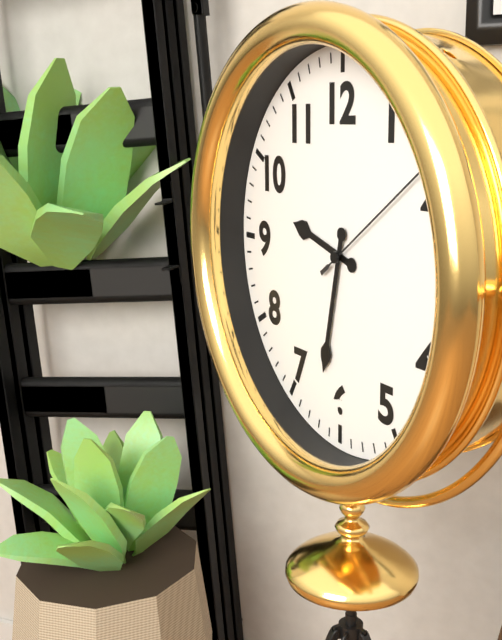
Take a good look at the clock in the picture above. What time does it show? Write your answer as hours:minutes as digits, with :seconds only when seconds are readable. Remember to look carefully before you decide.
9:32:09
